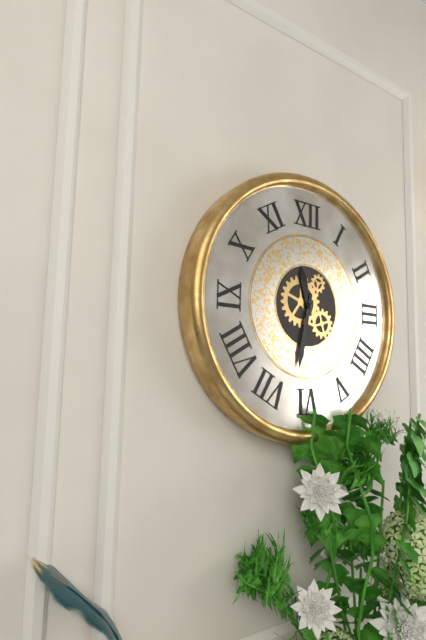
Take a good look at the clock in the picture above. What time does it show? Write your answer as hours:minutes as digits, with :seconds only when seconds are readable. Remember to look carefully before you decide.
11:32
